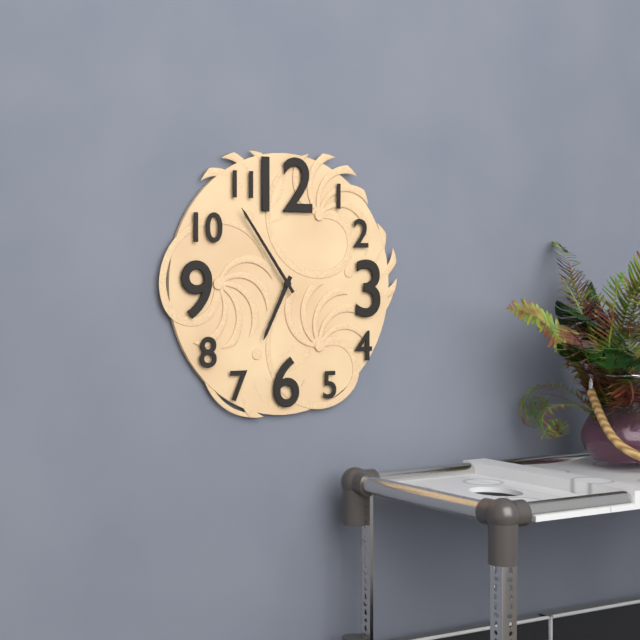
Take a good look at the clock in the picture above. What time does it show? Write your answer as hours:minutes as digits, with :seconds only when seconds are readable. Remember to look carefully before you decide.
6:54
